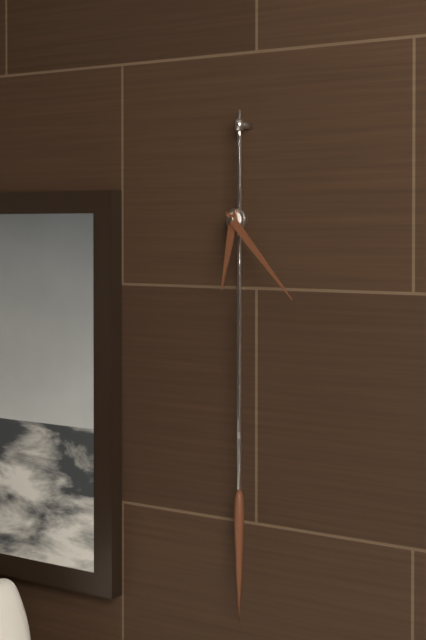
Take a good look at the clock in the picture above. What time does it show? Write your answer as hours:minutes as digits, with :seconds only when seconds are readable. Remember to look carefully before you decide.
6:23
